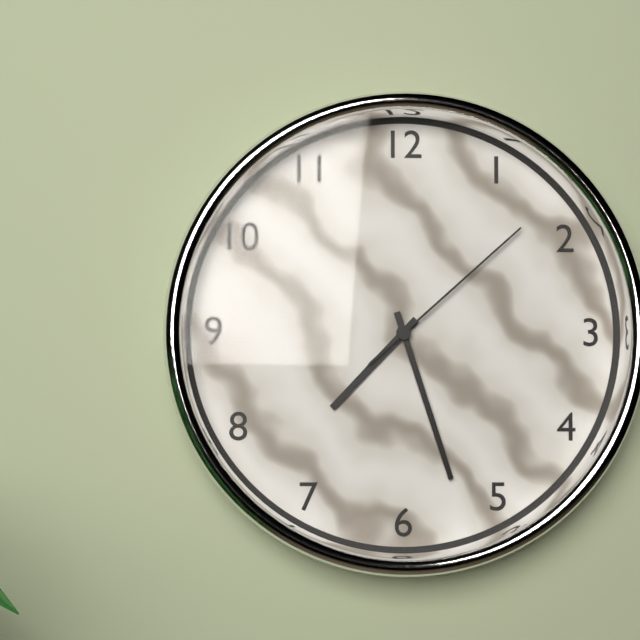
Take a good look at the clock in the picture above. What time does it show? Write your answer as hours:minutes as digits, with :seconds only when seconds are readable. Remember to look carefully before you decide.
7:27:08
